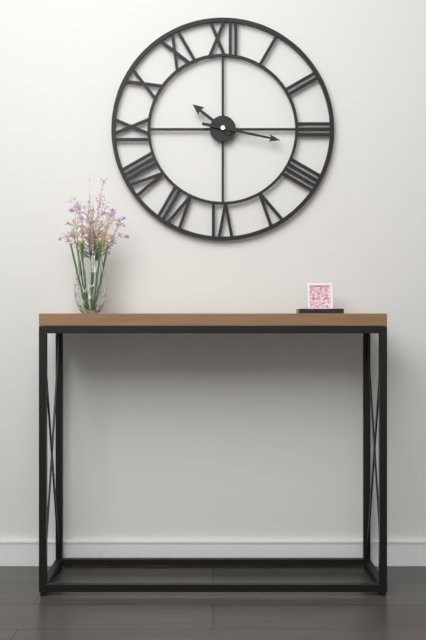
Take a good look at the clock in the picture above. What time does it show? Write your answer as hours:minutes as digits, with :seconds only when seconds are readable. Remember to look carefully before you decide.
10:17
